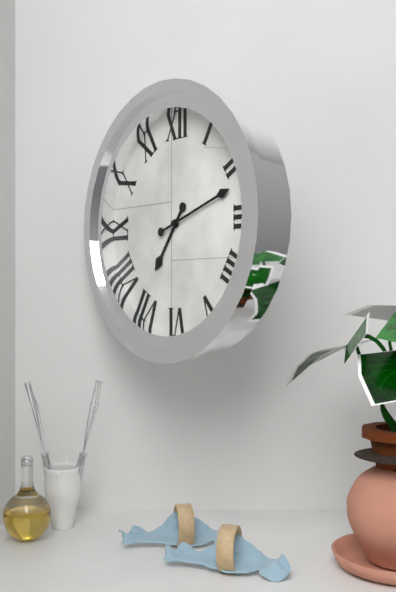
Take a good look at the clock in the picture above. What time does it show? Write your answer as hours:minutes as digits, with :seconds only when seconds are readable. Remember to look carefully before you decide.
7:12
